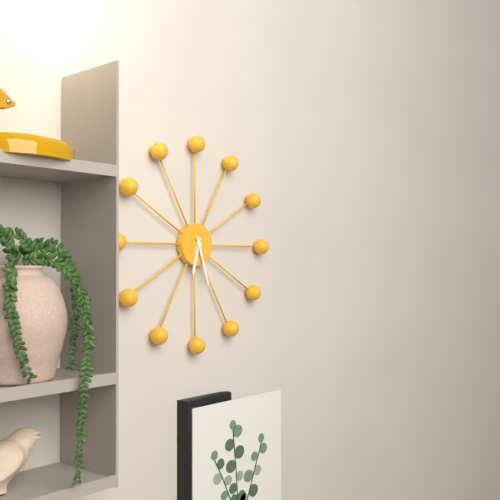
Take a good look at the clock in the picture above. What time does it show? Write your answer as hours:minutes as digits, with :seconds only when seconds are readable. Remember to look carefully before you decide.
6:27
